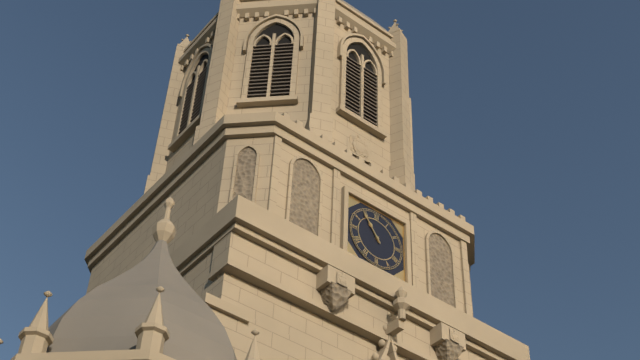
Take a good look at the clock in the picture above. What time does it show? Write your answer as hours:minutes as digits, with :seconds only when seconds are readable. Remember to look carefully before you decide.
10:54
